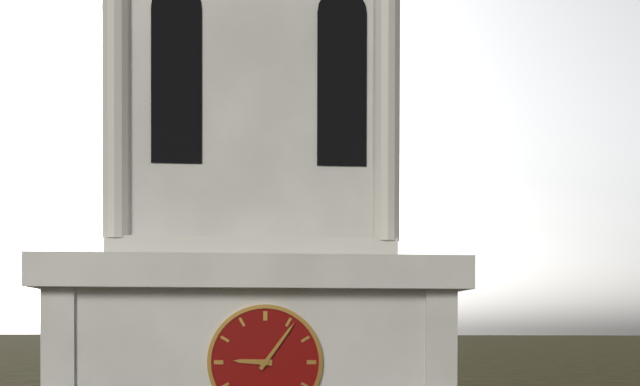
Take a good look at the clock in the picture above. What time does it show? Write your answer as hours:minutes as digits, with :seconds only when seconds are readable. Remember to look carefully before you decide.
9:06
